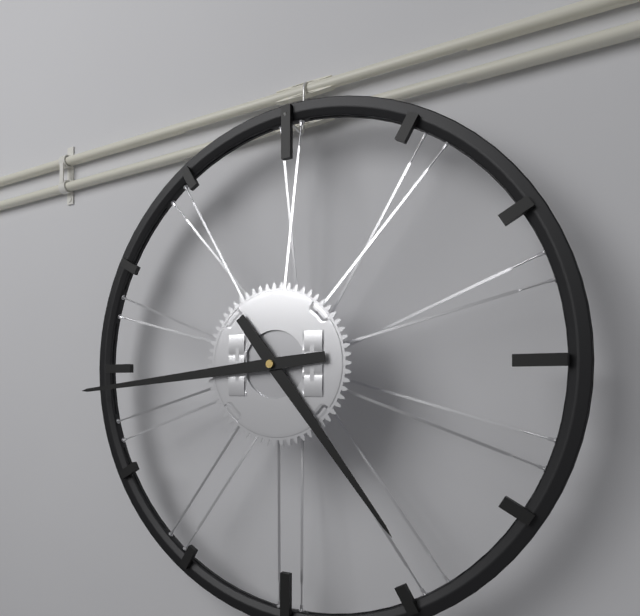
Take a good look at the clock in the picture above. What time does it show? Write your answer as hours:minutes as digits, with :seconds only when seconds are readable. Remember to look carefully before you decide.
4:44
